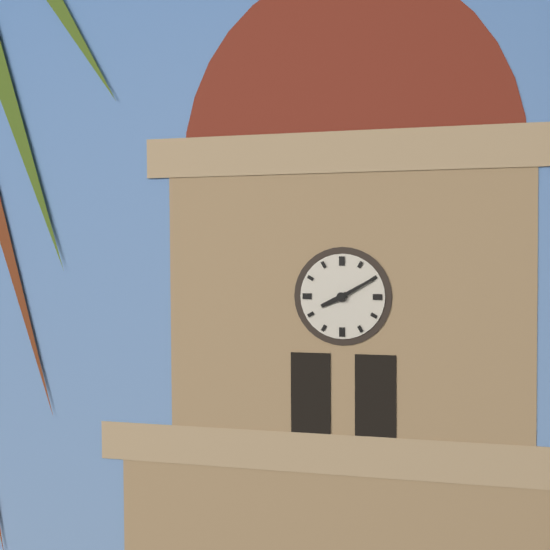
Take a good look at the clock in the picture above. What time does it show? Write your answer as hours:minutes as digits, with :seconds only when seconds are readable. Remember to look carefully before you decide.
8:10
